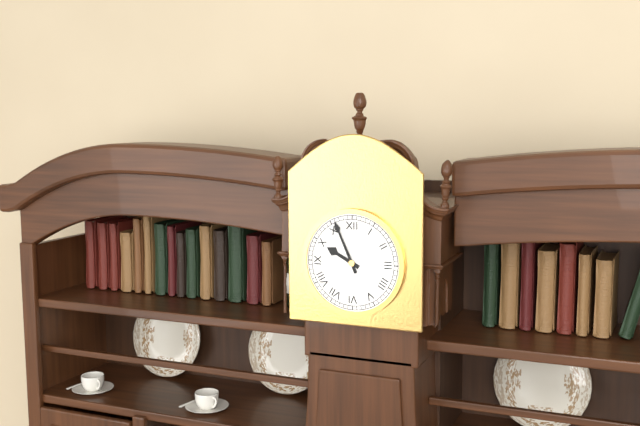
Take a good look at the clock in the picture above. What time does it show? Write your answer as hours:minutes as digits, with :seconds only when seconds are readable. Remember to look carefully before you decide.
9:56
